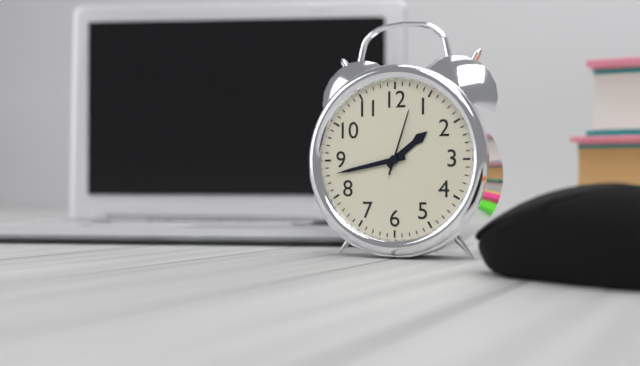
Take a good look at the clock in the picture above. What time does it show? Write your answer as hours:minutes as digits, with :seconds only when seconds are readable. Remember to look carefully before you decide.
1:43:03
